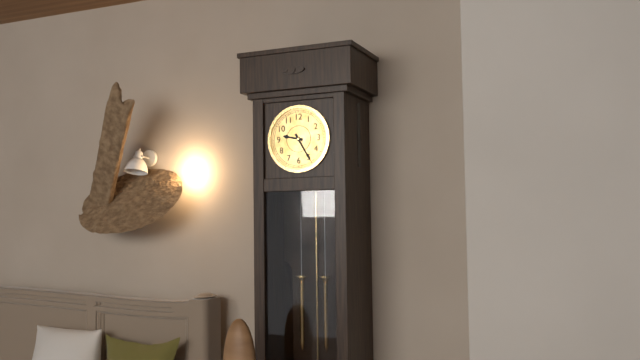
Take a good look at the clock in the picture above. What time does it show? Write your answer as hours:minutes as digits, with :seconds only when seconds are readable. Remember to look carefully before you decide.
9:25
